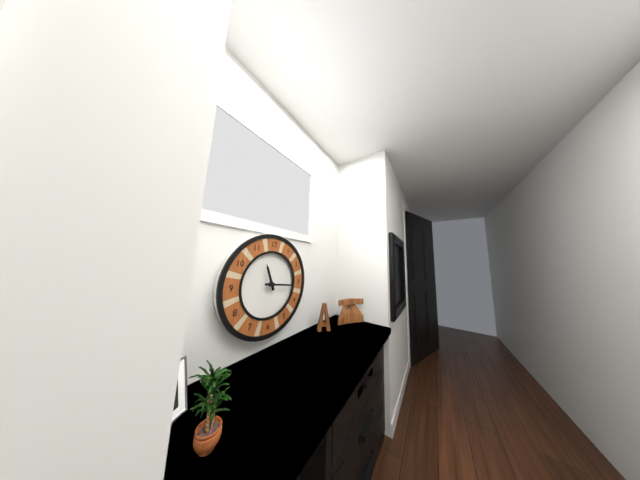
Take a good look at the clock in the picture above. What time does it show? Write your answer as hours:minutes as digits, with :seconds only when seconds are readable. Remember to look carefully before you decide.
11:16
